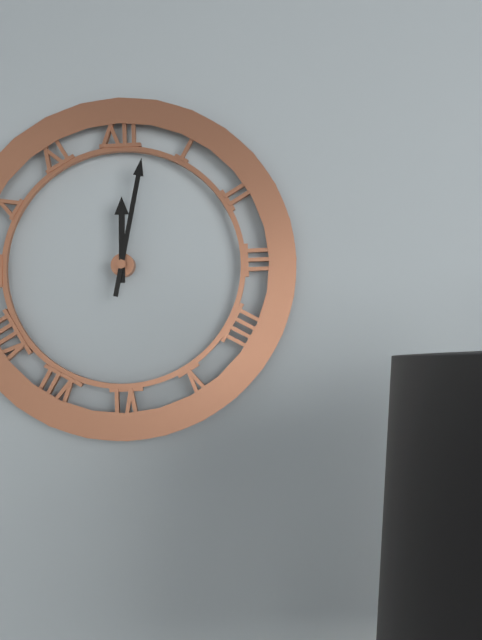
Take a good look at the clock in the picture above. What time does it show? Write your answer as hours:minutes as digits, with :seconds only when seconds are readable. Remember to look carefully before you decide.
12:02
